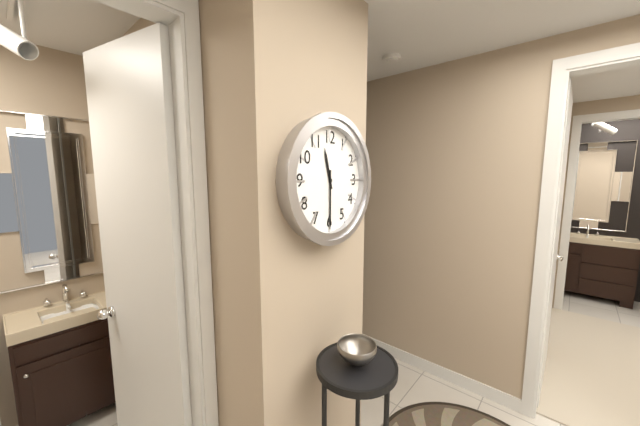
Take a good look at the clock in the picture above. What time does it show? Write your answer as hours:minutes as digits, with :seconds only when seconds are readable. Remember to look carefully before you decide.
11:30
